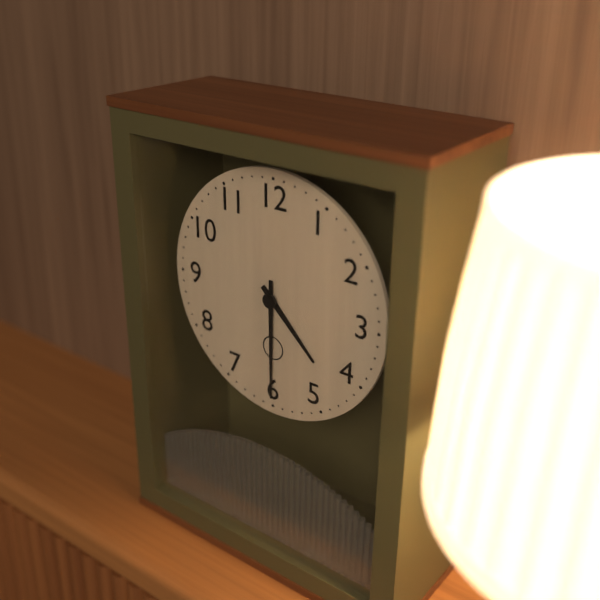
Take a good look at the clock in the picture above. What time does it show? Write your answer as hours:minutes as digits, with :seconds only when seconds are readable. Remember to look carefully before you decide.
4:30
